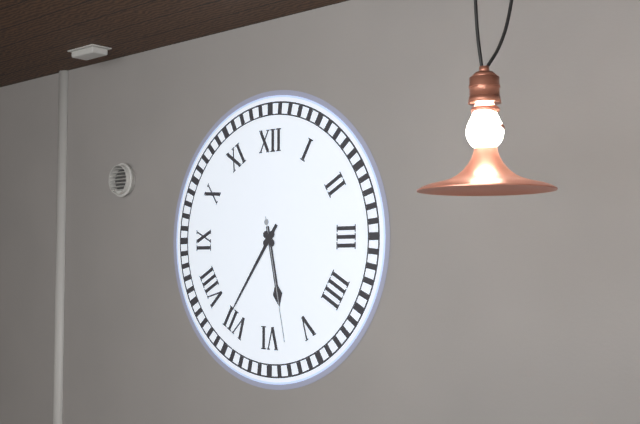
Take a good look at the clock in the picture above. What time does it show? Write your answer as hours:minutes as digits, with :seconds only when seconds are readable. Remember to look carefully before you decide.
5:36:28
